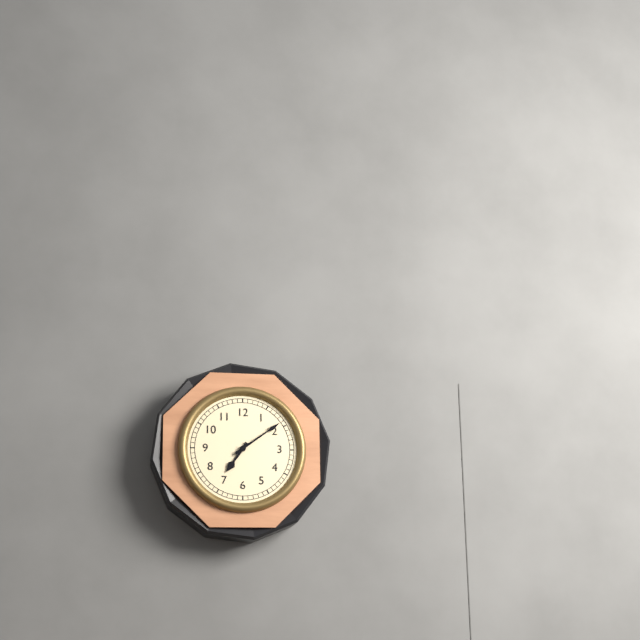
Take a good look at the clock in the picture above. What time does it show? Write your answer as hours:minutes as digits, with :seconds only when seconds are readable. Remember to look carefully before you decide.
7:09
